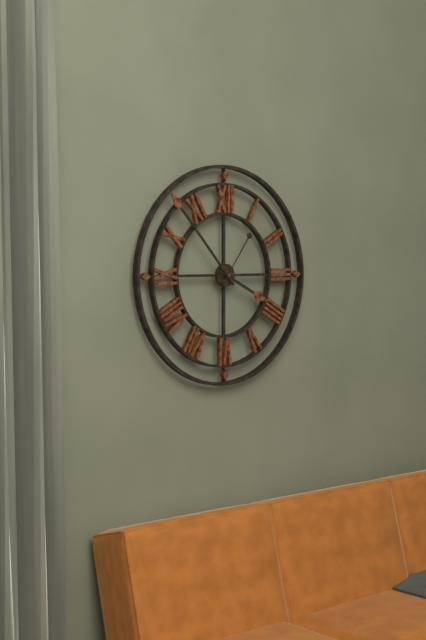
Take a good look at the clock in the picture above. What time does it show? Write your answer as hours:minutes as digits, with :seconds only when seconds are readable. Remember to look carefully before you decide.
3:53:06
